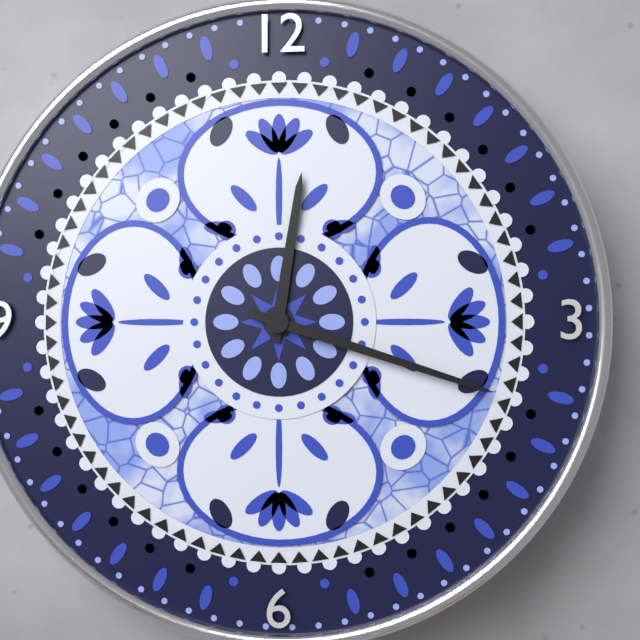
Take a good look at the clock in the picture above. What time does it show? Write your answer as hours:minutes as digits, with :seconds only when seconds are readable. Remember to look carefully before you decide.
12:18
